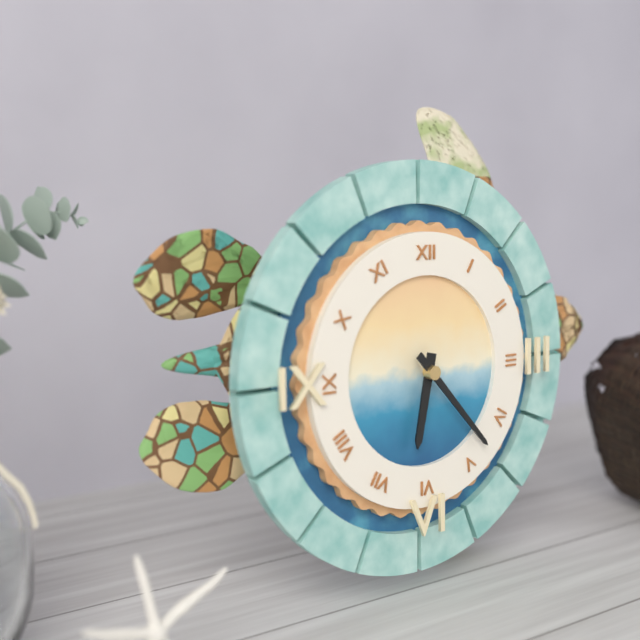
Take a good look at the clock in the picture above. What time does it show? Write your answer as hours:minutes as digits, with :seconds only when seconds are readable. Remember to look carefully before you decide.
6:23
